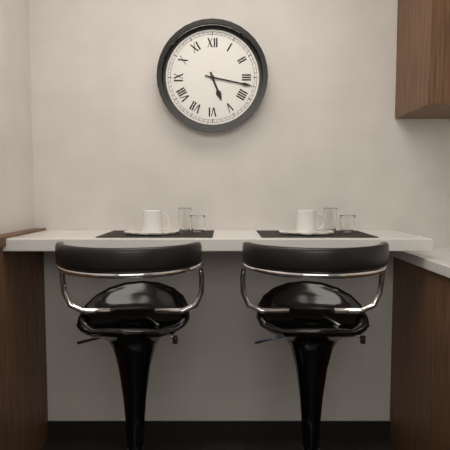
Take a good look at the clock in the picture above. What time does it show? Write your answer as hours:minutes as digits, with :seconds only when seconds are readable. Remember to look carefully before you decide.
5:17
